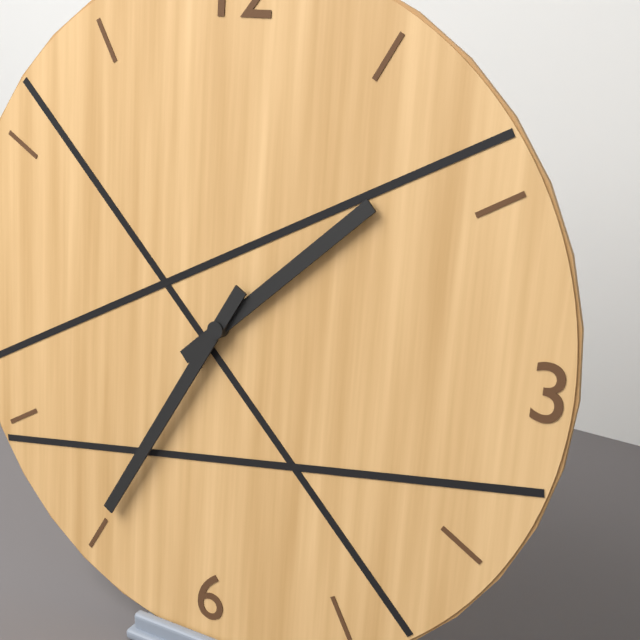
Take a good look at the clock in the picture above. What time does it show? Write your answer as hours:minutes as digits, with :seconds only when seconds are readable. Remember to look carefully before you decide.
1:35
